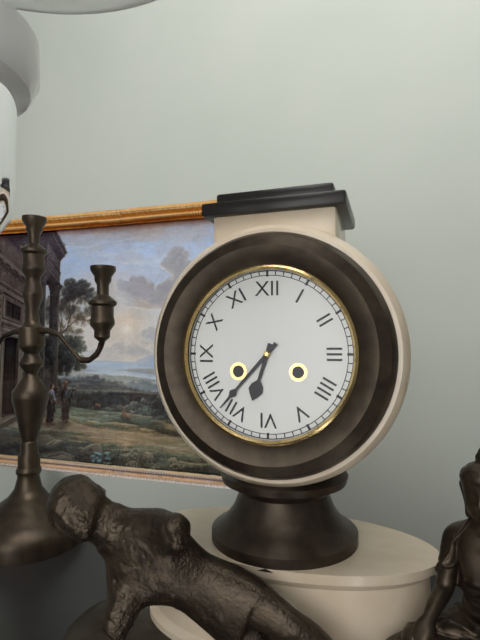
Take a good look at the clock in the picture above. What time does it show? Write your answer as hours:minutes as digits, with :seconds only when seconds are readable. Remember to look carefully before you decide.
6:37
